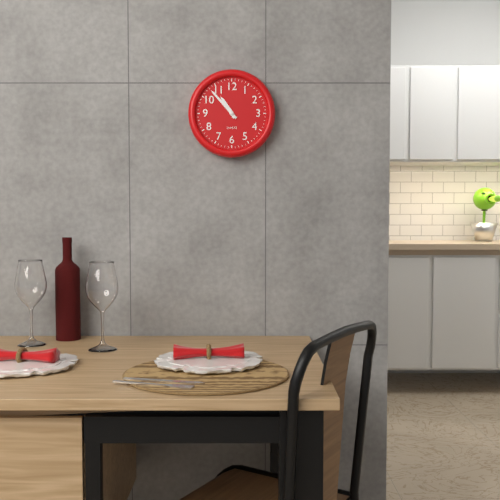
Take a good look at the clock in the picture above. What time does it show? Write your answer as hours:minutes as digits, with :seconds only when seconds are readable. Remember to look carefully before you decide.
10:53
